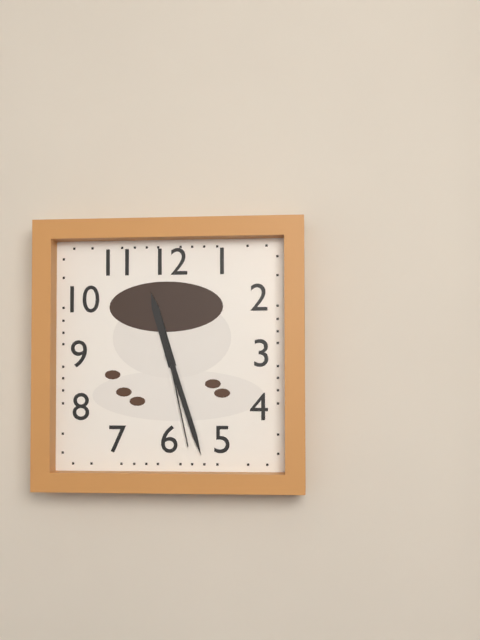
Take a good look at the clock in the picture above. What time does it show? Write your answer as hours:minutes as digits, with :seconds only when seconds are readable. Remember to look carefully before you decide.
11:27:28
